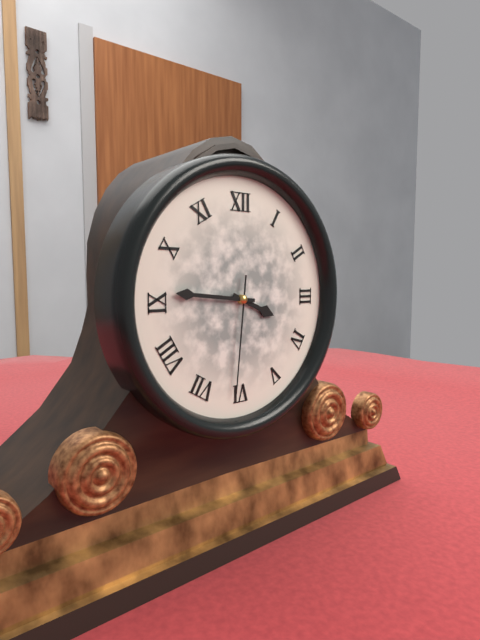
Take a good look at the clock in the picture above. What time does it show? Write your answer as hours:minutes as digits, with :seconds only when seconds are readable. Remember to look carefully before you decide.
3:46:31
